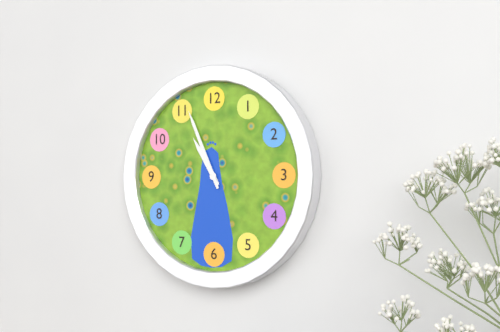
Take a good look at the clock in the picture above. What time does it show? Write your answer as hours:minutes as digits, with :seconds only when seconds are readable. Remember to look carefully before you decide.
10:56
